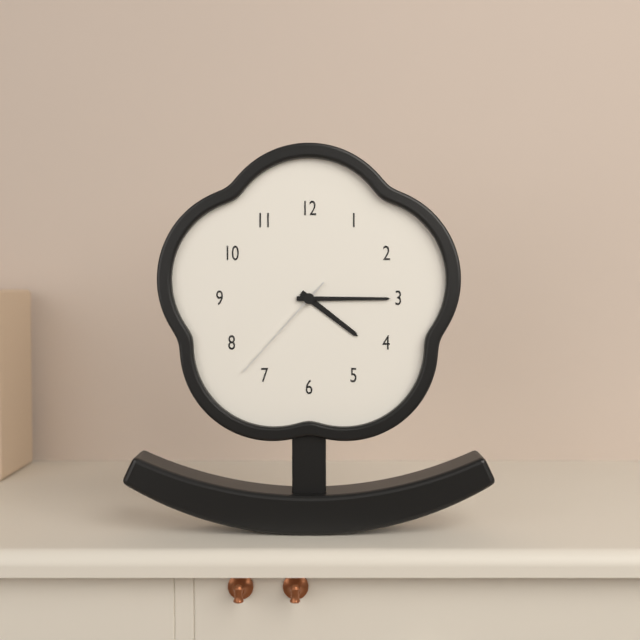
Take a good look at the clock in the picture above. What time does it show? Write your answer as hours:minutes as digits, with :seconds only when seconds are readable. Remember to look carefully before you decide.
4:15:37
